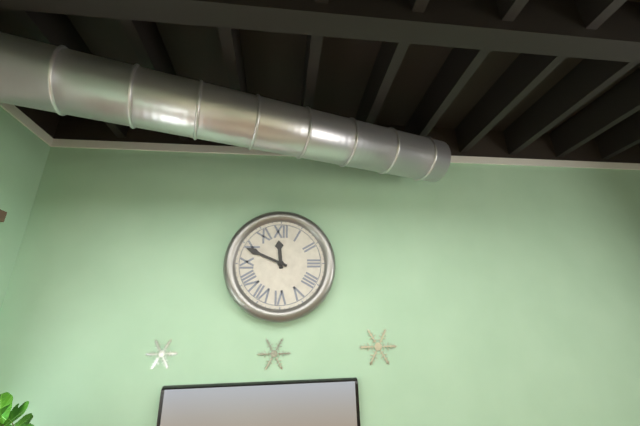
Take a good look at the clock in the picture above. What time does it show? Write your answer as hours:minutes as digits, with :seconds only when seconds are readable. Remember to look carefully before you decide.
11:49
